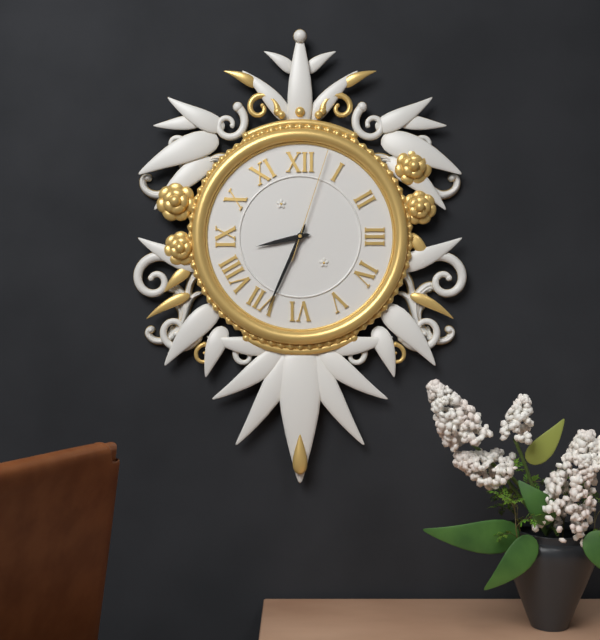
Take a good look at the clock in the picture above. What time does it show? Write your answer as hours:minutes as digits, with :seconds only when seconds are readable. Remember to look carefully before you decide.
8:34:03
